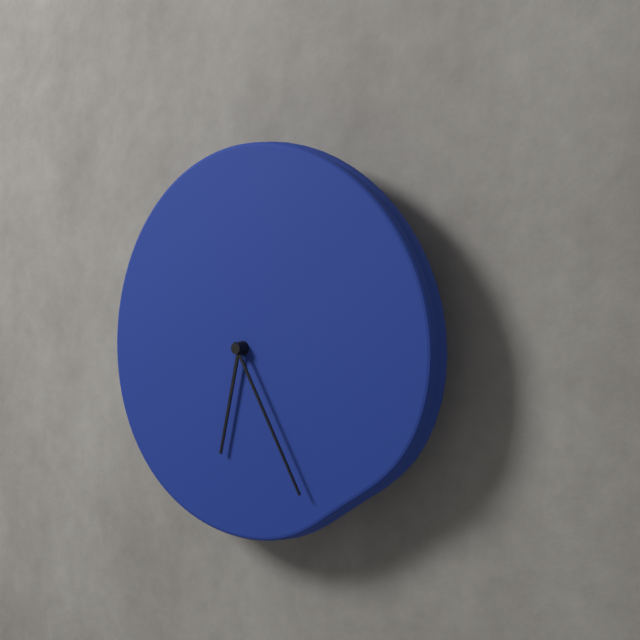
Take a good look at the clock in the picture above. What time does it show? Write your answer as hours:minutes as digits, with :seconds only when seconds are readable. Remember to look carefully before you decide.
6:25
